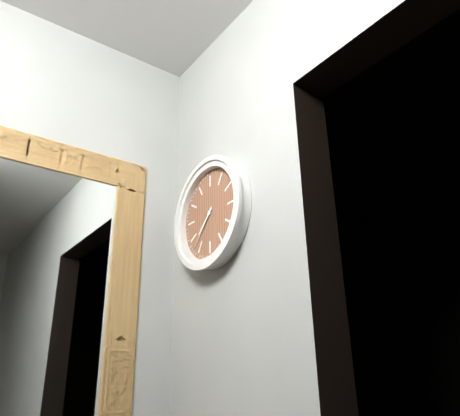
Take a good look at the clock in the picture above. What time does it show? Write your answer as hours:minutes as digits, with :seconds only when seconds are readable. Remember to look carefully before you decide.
7:37
